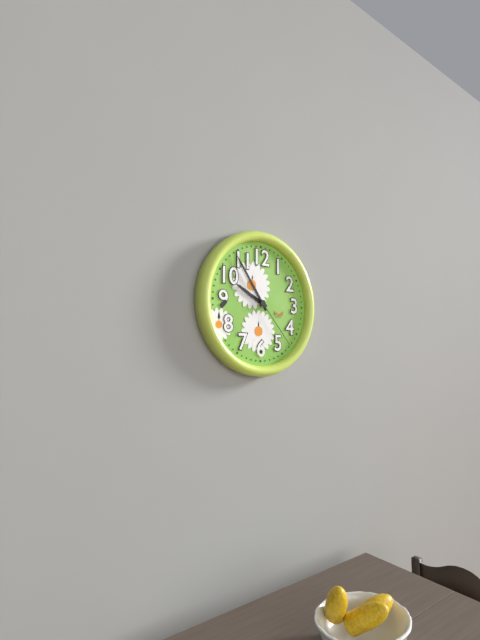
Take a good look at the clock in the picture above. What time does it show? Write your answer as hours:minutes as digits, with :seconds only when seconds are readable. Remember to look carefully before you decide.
9:54:23
